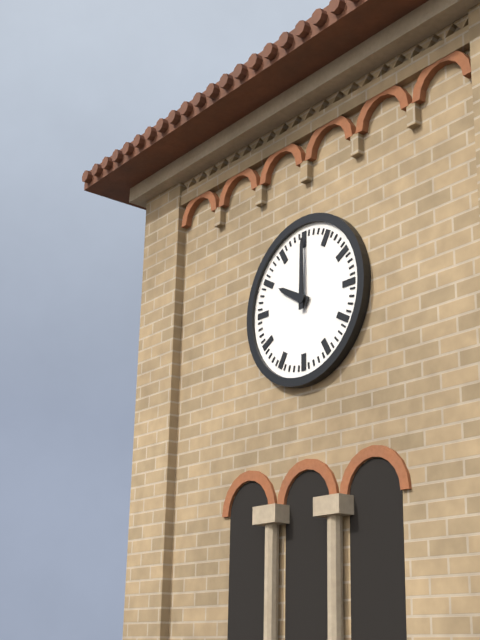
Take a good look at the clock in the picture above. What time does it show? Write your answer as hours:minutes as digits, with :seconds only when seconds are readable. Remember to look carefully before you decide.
10:00
